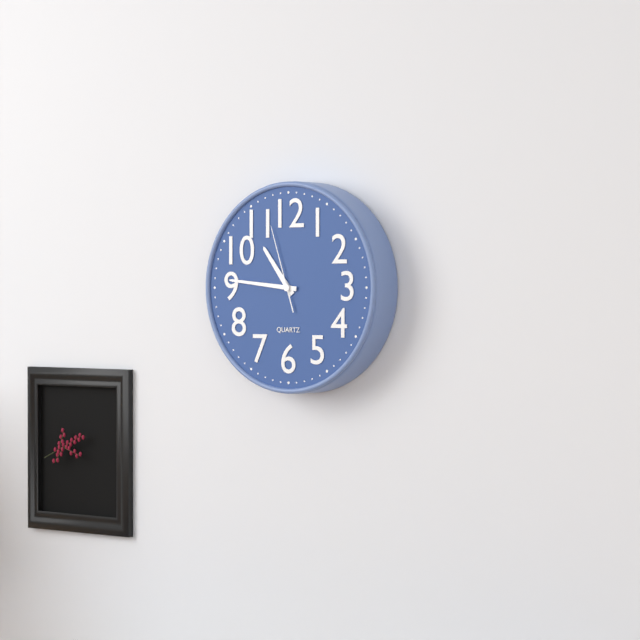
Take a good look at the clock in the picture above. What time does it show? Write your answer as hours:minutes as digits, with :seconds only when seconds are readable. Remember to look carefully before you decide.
10:46:57
